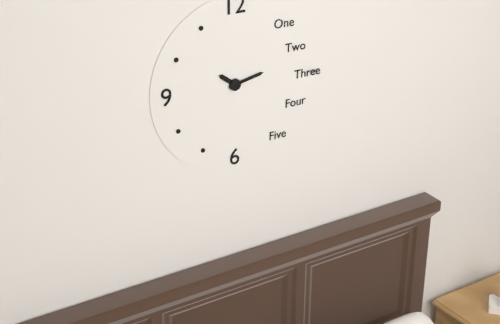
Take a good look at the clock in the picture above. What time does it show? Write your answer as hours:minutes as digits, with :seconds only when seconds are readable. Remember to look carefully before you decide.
10:13
